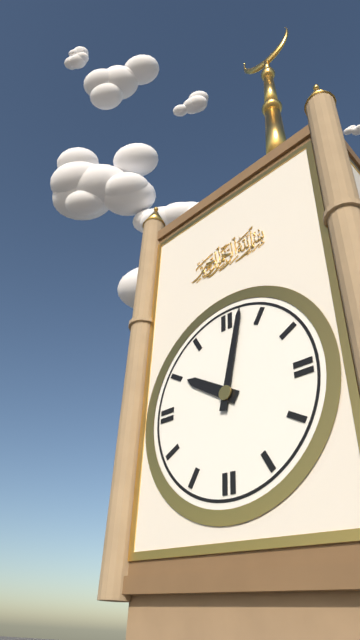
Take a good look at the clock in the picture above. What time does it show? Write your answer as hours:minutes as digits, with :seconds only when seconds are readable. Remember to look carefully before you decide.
10:02
